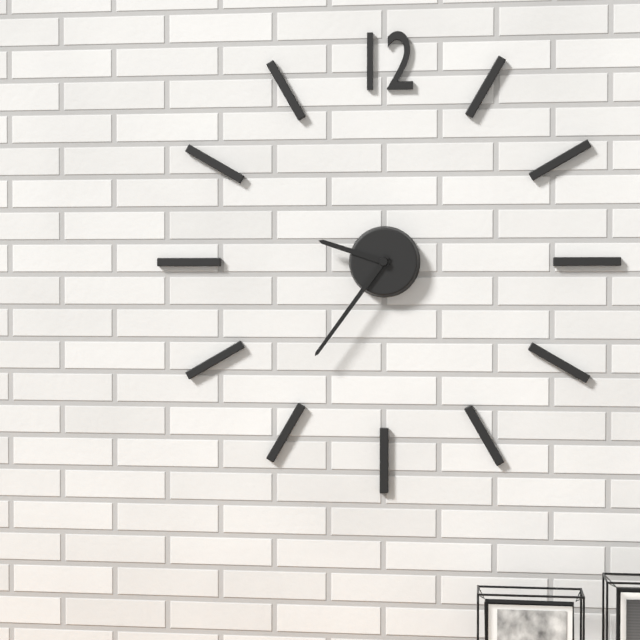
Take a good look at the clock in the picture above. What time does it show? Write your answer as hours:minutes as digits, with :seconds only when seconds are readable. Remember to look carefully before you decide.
9:36
